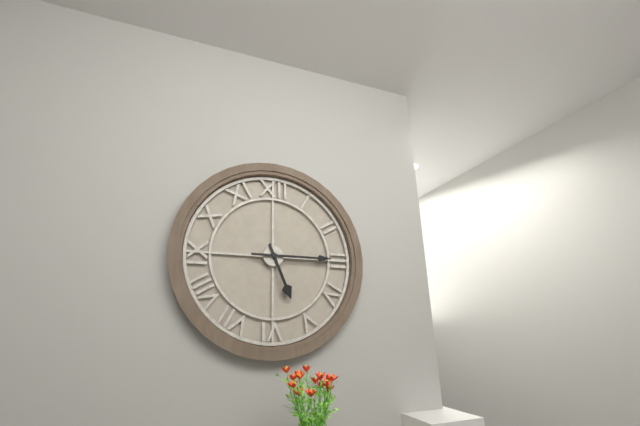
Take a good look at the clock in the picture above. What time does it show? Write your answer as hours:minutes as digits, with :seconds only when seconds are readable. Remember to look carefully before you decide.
5:15
